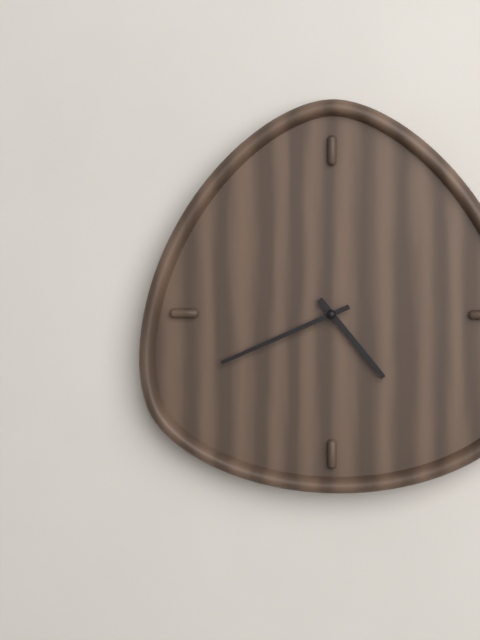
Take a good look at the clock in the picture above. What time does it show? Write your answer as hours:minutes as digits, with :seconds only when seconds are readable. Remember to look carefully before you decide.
4:41
